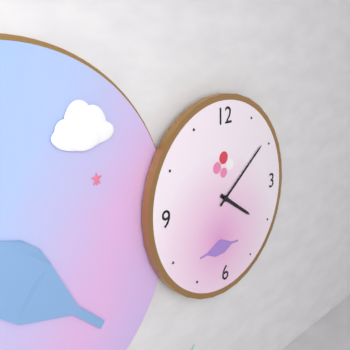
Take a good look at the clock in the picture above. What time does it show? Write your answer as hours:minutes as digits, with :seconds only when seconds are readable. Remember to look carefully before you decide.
4:09
